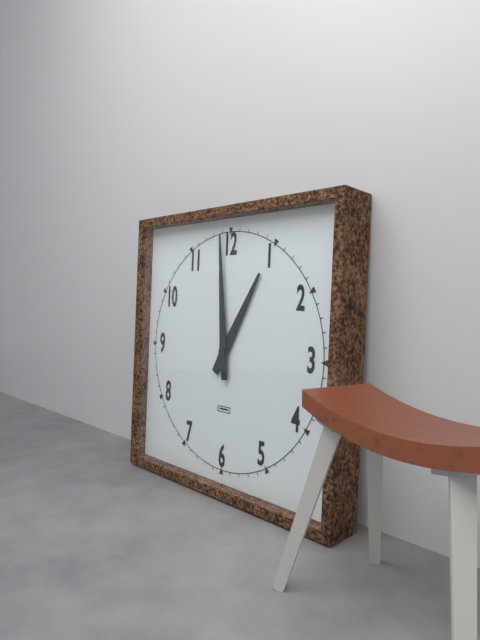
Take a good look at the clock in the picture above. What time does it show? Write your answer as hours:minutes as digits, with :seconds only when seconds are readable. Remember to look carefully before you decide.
12:59
